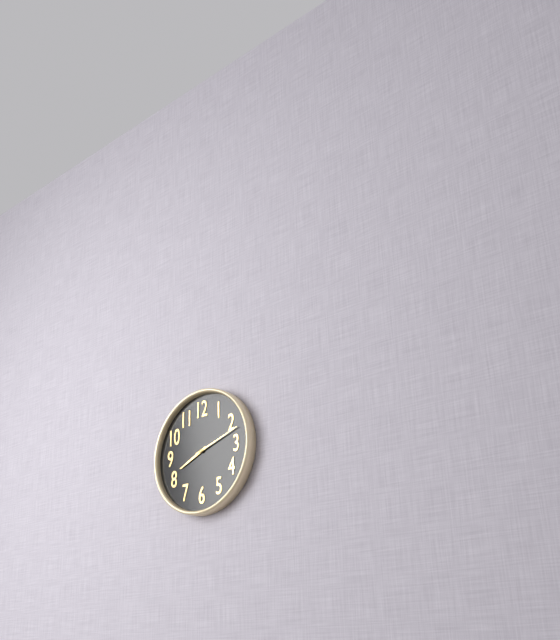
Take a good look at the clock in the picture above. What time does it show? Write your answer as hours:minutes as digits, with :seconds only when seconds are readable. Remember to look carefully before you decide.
8:12
